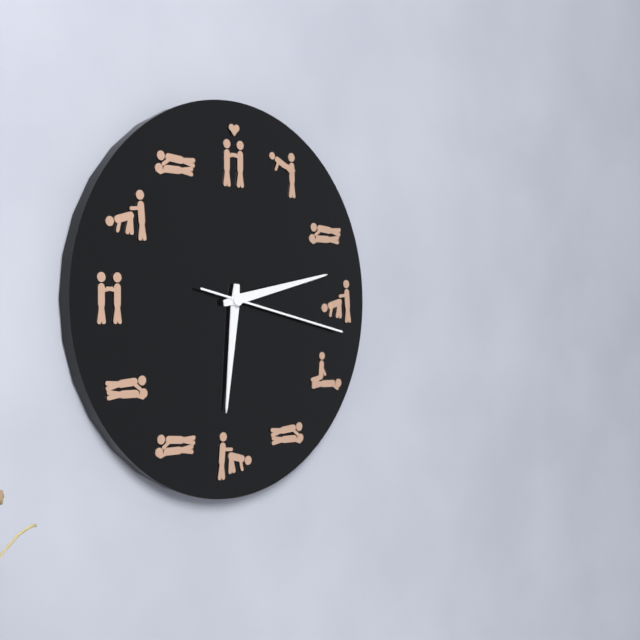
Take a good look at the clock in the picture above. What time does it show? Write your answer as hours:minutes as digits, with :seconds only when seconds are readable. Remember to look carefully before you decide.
6:13:17
